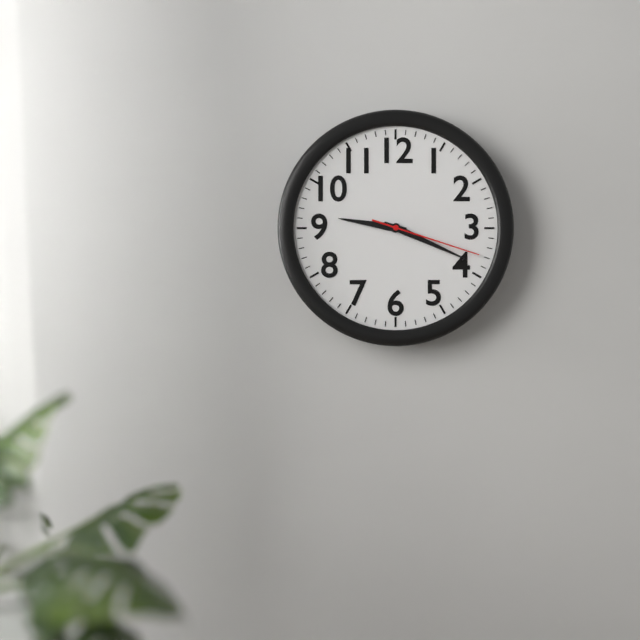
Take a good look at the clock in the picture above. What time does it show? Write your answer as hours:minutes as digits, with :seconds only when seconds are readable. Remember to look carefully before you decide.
9:19:18
